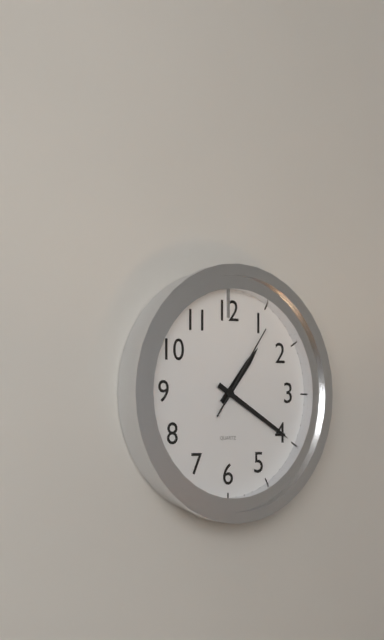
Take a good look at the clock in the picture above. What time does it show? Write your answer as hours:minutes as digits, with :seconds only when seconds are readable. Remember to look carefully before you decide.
1:20:06
